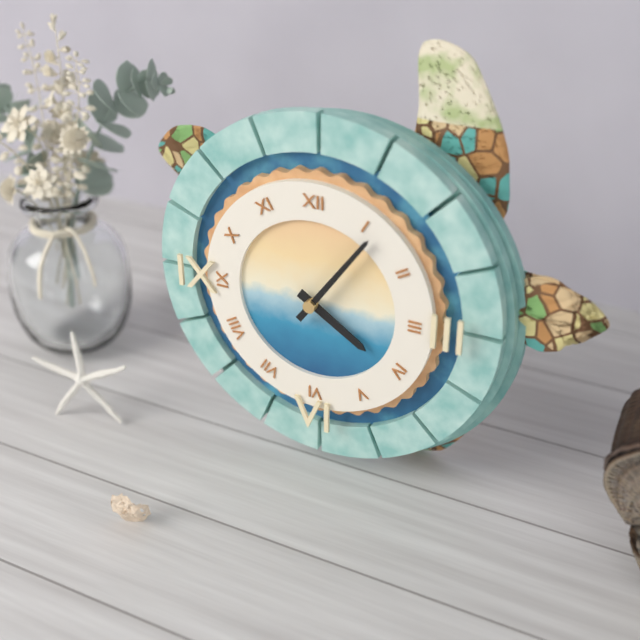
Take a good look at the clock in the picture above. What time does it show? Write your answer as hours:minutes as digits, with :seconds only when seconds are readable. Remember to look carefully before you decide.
4:06
